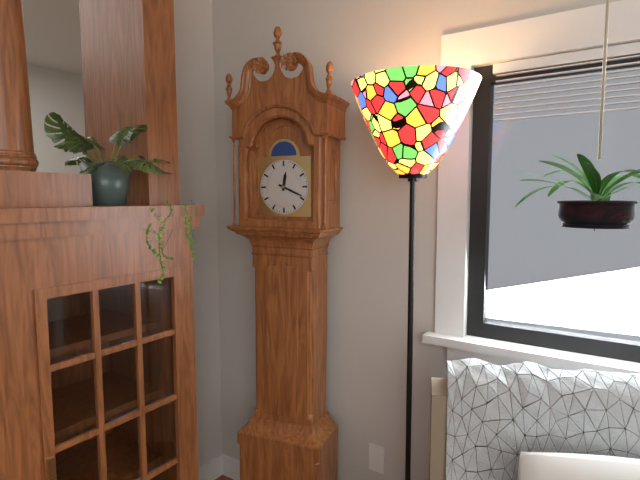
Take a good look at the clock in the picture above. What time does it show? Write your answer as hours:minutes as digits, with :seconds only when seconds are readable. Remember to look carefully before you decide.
12:19
